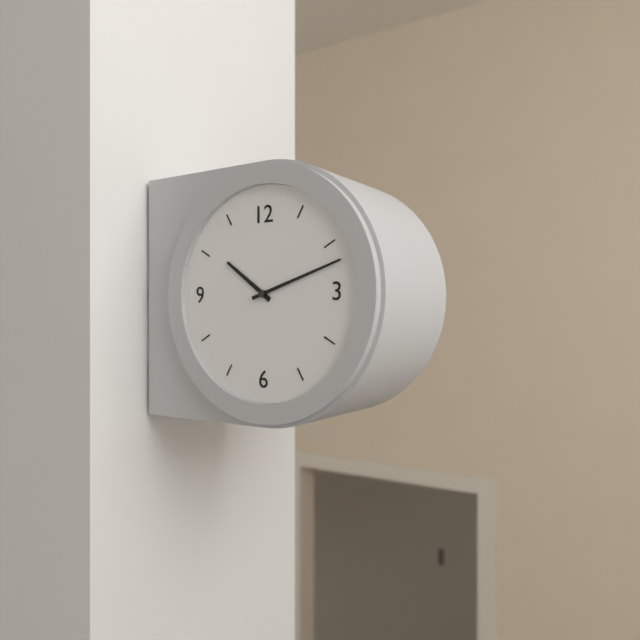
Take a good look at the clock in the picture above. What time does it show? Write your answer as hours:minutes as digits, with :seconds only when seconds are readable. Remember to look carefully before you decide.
10:12
